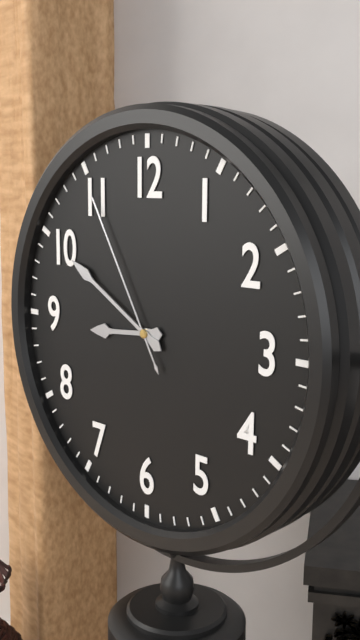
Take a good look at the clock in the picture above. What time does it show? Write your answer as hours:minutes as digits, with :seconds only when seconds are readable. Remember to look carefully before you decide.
8:50:55
